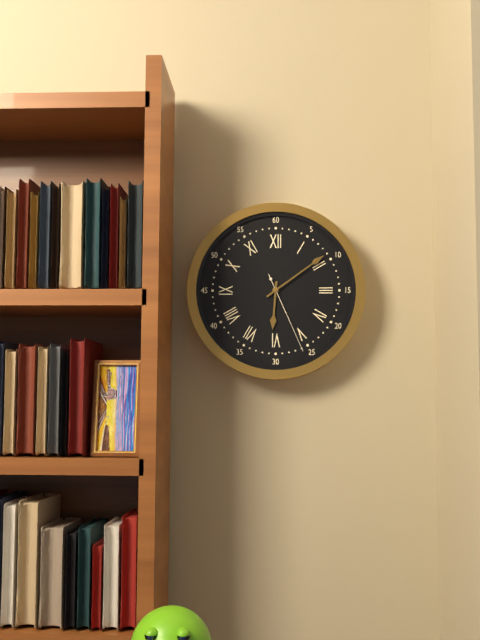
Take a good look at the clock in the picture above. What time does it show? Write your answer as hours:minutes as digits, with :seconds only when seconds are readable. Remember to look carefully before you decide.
6:09:26
